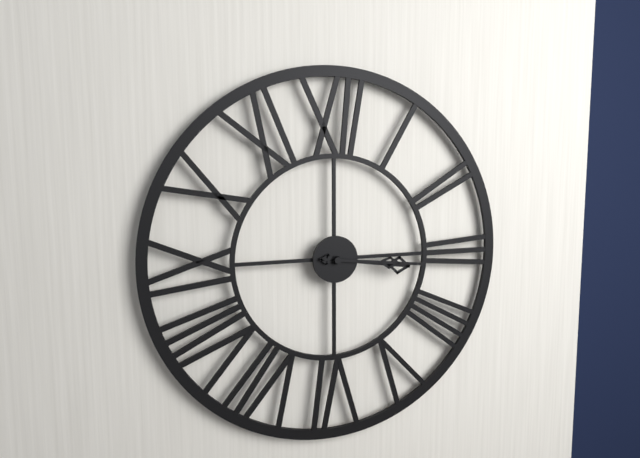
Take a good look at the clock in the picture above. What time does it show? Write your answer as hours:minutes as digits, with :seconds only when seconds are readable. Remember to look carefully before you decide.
3:16
